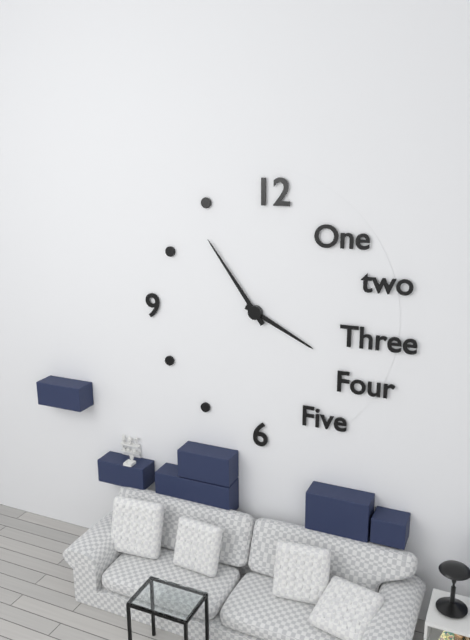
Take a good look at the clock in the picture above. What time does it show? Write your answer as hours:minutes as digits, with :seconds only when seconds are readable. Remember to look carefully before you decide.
3:54
